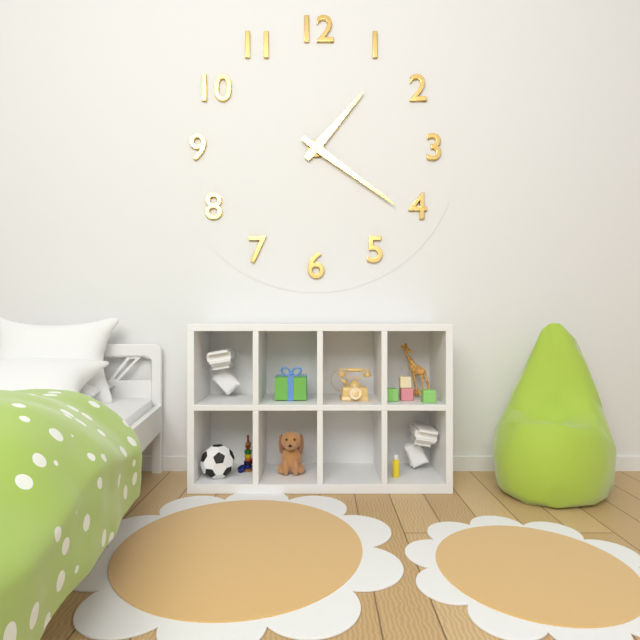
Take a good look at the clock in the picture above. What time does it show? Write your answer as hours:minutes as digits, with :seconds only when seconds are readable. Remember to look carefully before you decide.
1:21
